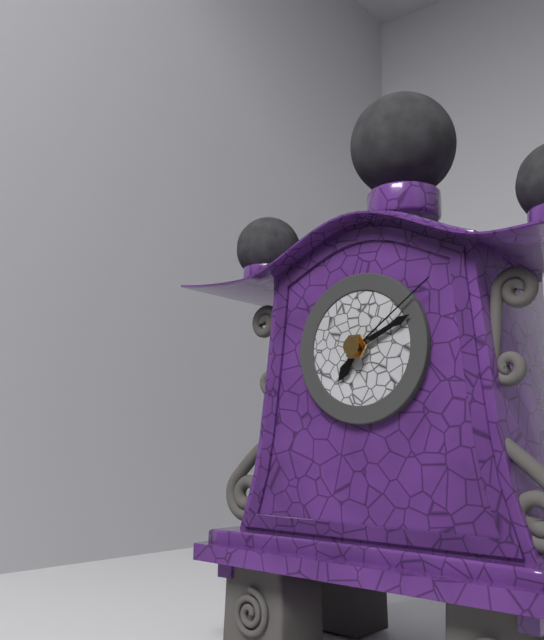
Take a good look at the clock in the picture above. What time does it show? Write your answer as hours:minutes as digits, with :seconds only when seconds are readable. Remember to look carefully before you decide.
7:11:09
